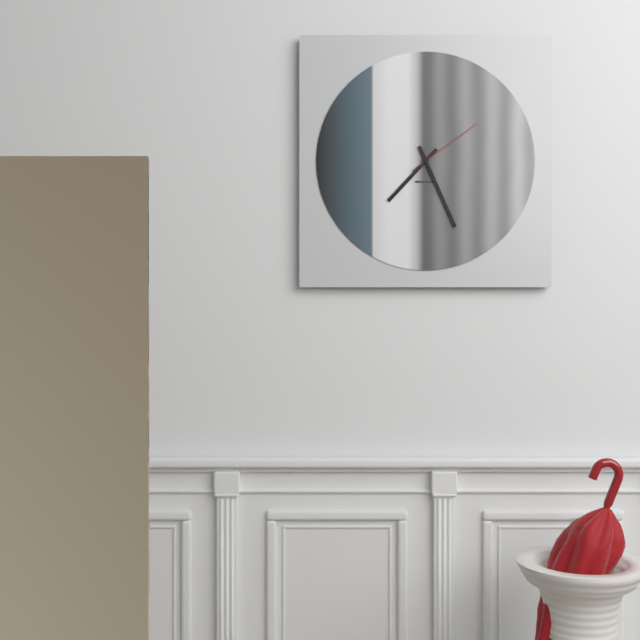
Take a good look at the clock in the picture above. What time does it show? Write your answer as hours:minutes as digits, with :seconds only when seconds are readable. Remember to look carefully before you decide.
7:26:09
